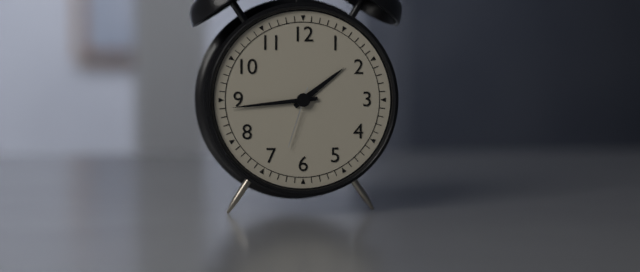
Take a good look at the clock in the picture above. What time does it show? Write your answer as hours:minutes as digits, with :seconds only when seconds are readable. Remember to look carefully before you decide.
1:44:33
